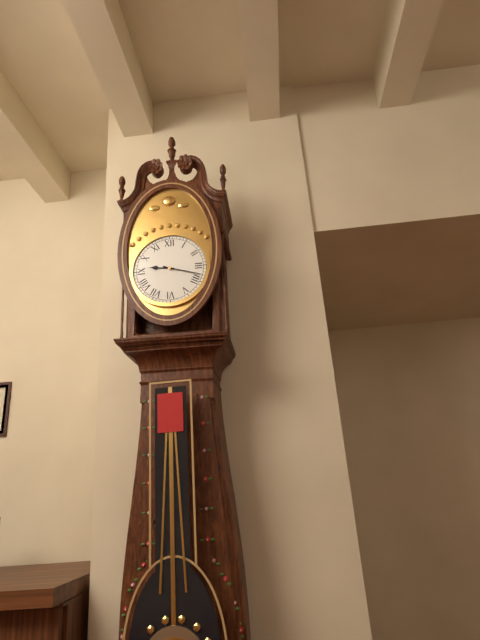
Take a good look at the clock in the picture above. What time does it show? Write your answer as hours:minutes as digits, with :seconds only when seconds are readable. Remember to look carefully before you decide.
9:18
